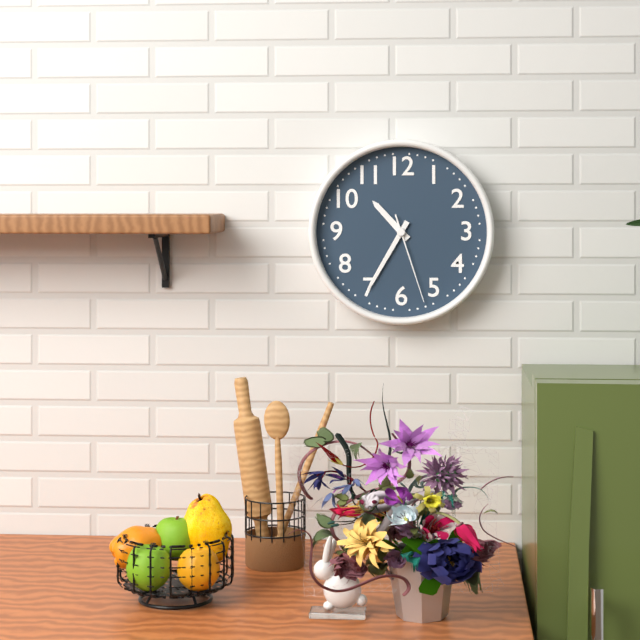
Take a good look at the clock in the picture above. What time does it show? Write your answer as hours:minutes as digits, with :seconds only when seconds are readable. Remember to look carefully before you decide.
10:35:27
